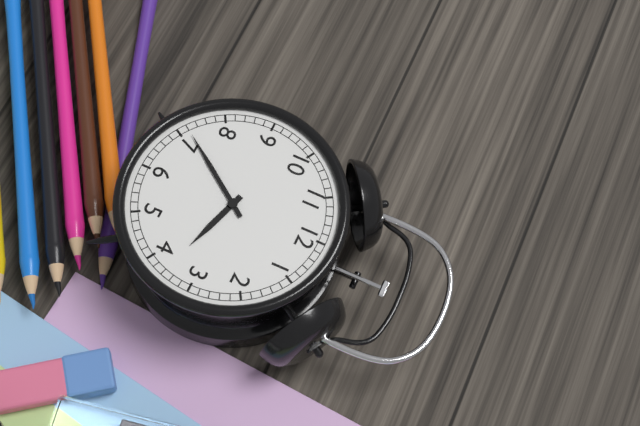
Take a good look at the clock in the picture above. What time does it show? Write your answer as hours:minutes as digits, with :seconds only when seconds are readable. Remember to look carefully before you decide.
3:36
